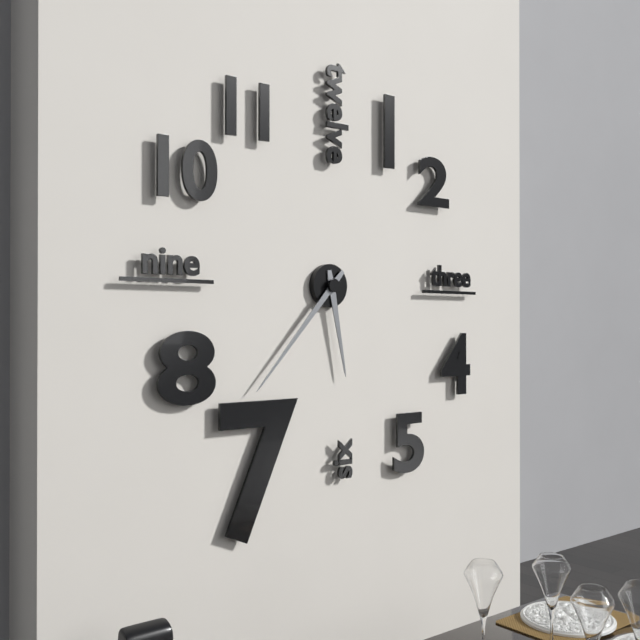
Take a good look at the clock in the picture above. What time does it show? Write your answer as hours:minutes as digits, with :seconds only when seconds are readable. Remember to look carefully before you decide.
5:37
